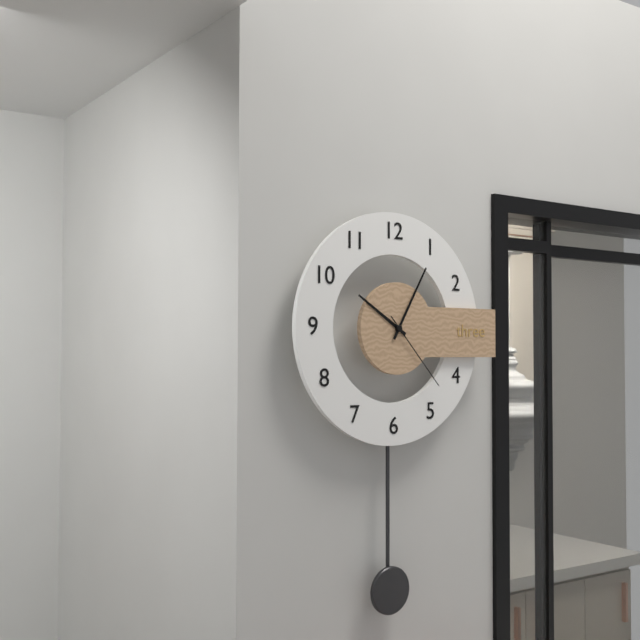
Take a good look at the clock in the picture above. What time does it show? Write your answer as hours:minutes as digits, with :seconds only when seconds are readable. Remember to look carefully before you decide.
10:05:23
